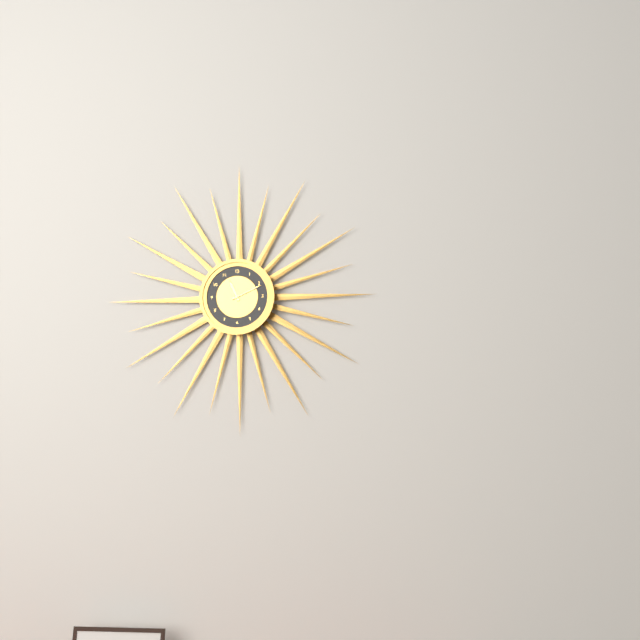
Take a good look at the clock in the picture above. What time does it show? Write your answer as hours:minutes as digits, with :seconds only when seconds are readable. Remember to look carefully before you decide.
11:11
